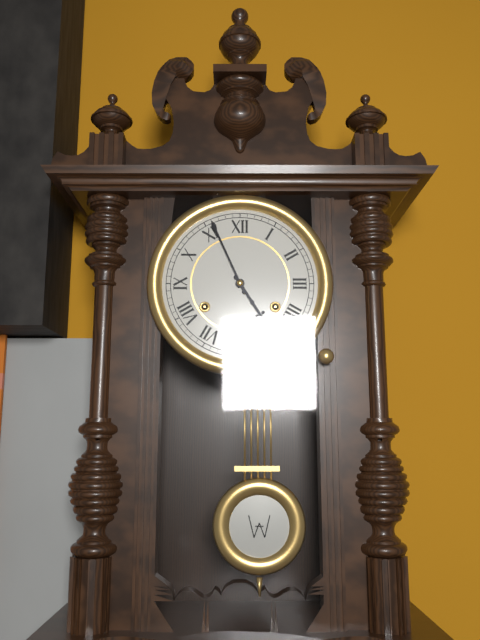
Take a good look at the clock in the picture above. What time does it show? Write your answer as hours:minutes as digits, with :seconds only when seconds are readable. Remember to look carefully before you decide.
4:56
